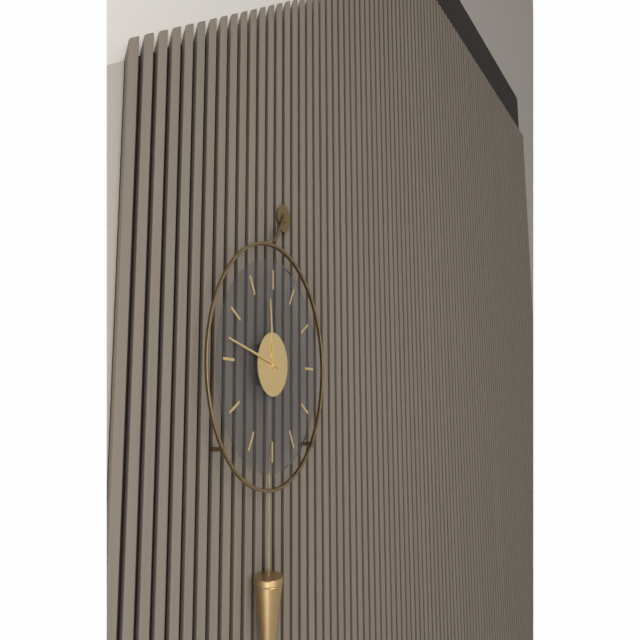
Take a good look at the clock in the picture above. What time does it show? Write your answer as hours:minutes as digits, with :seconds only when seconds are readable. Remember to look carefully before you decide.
11:47
